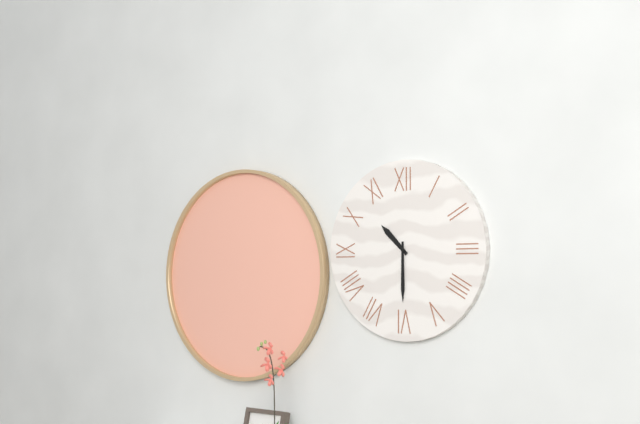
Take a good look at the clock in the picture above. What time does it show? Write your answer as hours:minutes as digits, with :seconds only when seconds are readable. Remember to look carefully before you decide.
10:30
